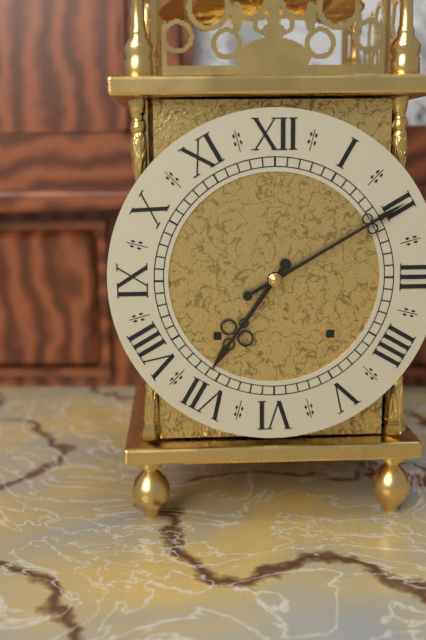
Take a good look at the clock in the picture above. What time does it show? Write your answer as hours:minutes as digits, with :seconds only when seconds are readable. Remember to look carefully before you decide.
7:10
